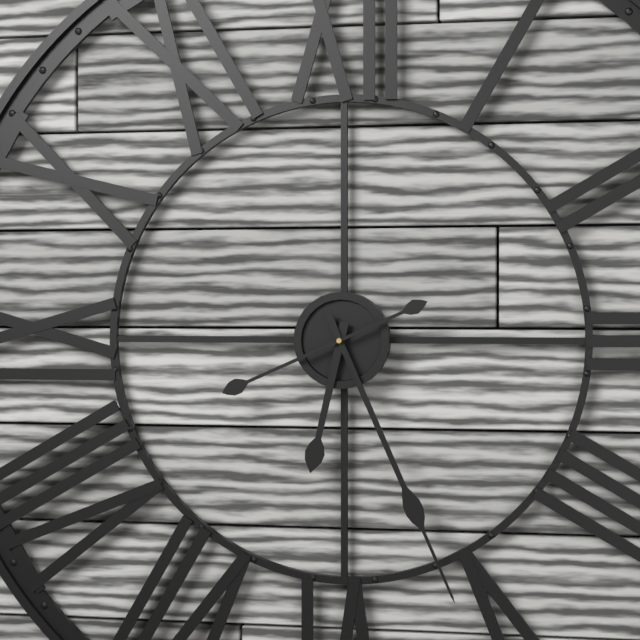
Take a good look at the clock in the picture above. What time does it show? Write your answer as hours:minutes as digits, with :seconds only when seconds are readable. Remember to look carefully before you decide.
6:26:41
